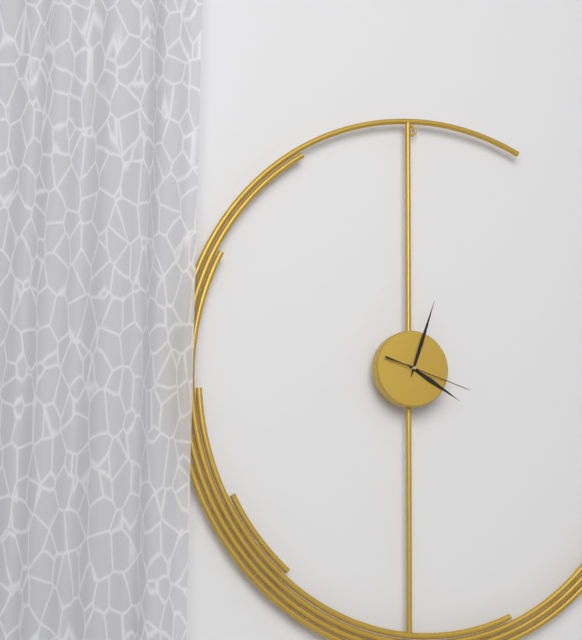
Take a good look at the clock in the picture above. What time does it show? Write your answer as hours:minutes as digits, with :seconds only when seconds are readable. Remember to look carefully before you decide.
4:03:18
